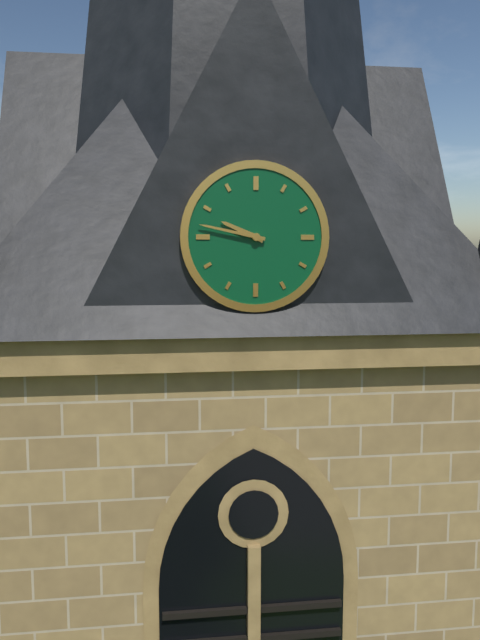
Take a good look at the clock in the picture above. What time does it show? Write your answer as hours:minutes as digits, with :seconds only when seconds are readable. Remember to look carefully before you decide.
9:47
